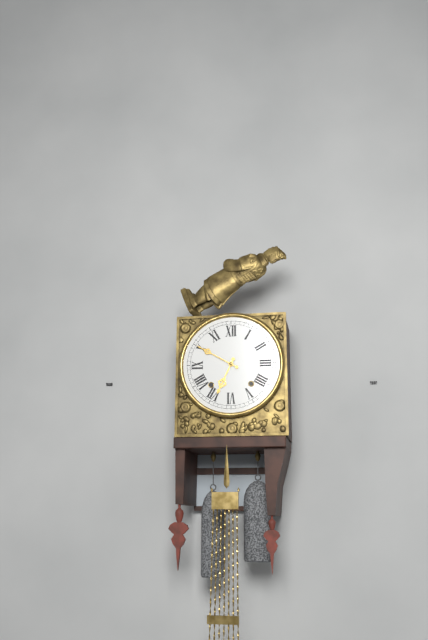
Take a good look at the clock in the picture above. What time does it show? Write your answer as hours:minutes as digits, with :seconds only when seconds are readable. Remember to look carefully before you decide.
6:50
